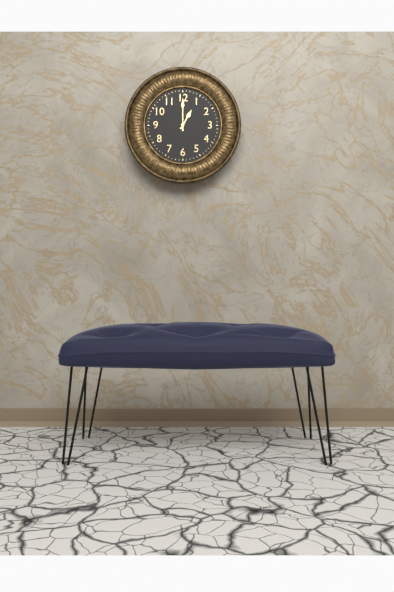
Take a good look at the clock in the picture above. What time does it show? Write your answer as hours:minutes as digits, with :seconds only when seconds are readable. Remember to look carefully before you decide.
1:00
